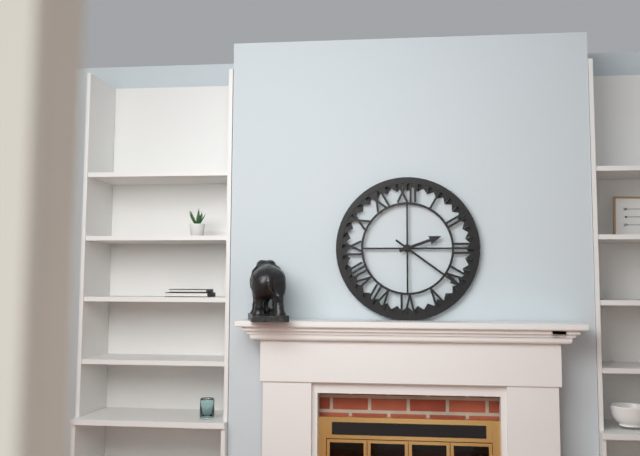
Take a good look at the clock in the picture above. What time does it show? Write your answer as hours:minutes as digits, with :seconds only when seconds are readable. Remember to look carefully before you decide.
2:21
